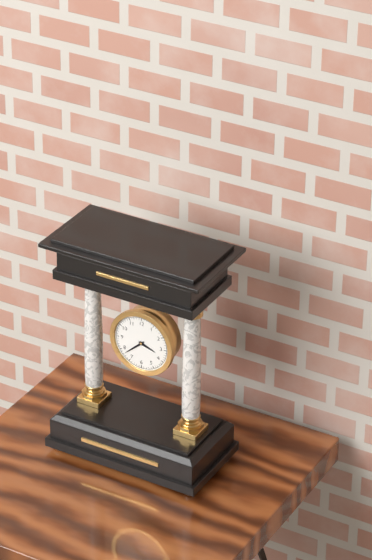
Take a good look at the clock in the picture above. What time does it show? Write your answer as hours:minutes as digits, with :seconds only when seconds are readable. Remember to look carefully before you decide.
3:38
